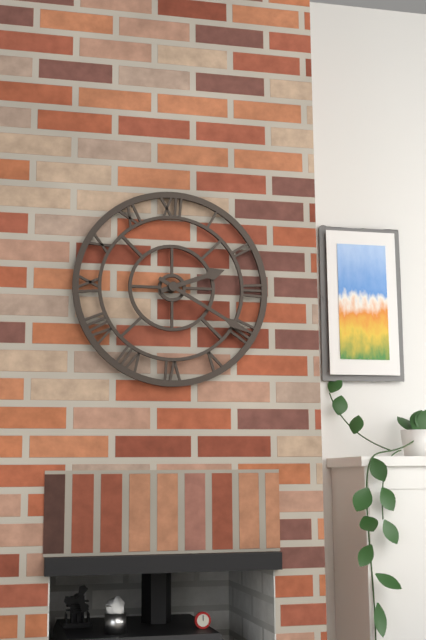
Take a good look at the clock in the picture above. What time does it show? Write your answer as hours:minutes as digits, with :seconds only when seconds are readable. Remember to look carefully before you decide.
2:20
